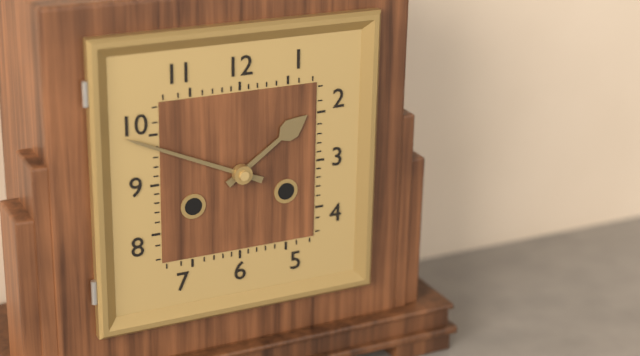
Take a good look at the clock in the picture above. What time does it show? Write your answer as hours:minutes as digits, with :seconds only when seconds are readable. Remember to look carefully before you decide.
1:49
